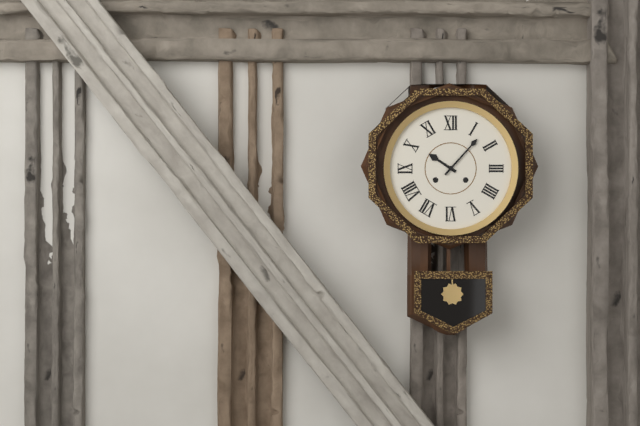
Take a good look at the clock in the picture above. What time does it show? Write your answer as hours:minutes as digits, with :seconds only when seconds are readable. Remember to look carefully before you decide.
10:07
